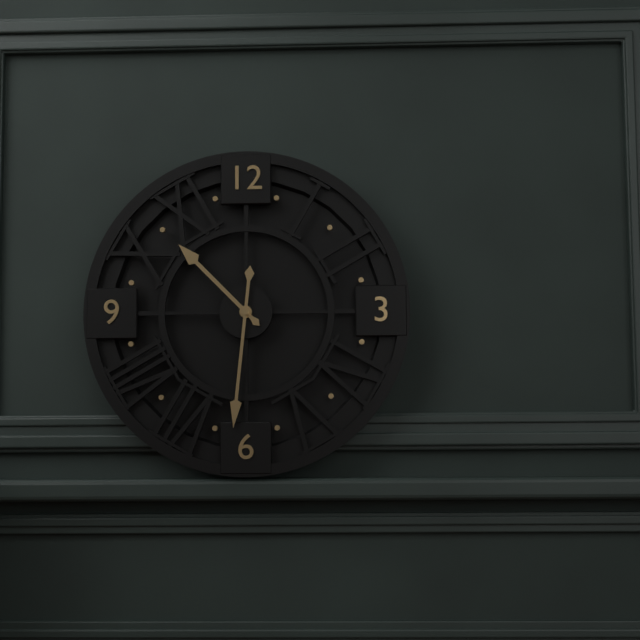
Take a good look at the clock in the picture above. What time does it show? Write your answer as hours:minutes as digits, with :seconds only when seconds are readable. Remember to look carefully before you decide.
10:31
